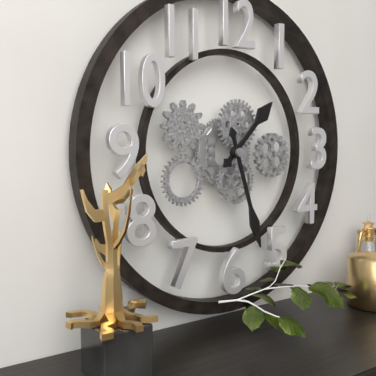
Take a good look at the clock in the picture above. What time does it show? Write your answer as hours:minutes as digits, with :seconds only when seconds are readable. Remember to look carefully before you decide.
1:27
